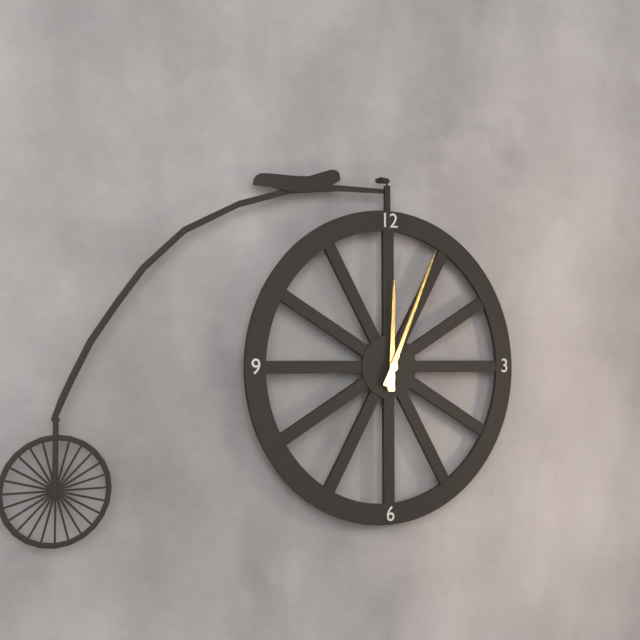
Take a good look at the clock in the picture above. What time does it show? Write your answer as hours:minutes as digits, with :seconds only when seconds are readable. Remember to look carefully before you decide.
12:04
